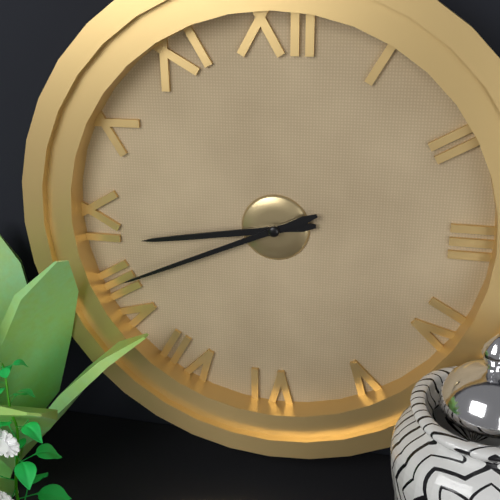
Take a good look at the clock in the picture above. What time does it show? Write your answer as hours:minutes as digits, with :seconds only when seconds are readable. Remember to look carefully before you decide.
8:41
